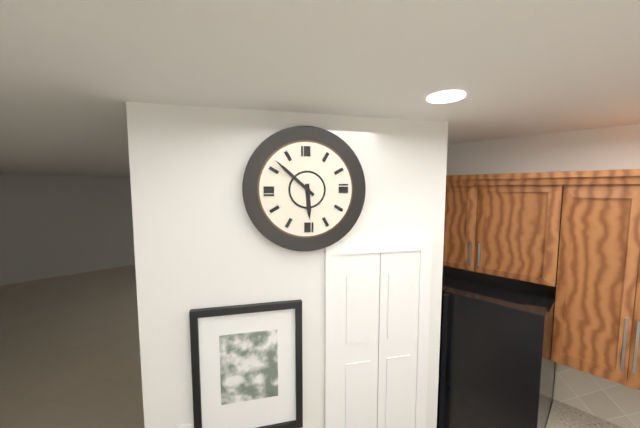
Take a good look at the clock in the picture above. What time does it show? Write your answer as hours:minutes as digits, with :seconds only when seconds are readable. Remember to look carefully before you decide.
5:52
